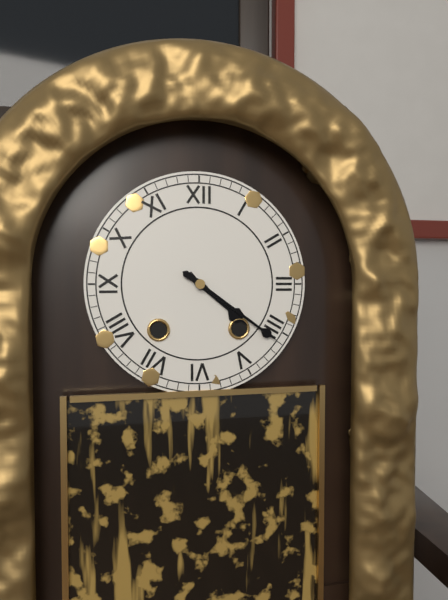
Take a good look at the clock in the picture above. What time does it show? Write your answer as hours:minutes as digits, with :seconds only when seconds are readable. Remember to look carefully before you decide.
4:21
